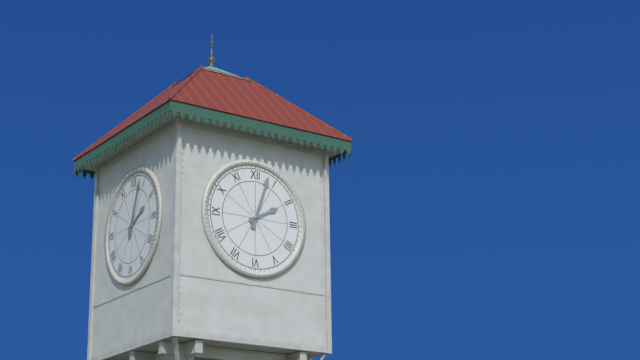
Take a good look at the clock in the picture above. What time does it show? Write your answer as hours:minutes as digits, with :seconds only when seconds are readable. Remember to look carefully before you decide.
2:03
